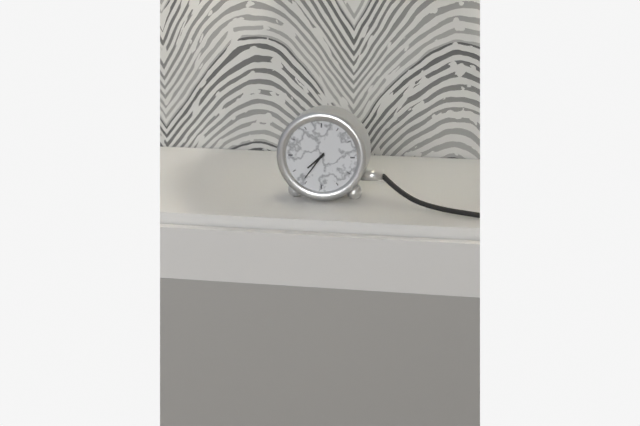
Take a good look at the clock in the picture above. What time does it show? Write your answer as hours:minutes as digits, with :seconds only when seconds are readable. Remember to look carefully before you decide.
7:36
